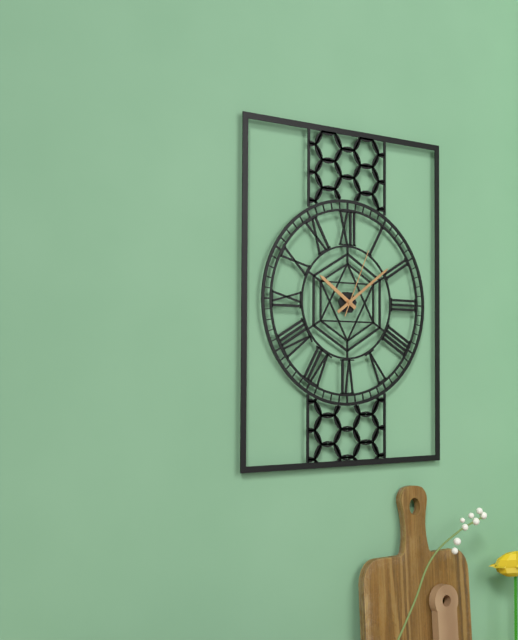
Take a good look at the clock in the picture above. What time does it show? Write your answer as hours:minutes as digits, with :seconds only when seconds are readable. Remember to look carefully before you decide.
10:09:04
